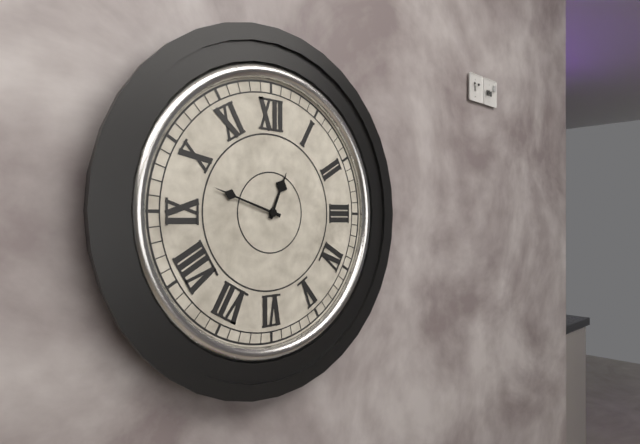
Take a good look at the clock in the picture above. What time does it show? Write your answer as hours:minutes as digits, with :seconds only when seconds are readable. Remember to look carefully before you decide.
12:48
